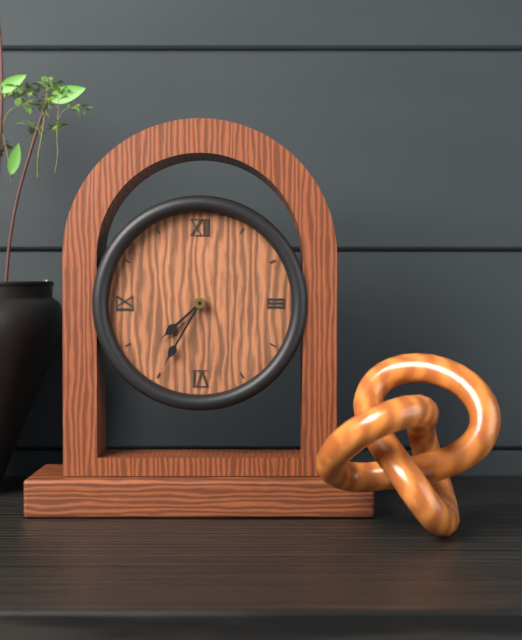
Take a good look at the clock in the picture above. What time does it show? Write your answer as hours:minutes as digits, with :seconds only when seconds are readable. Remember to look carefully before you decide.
7:35
